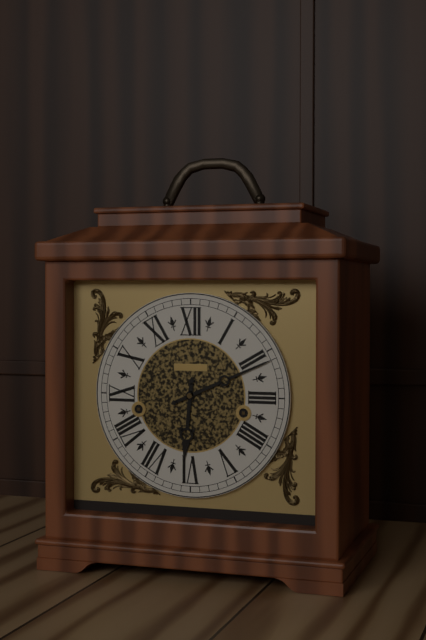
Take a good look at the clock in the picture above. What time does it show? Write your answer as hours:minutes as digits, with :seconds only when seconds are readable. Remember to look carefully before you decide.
6:11
